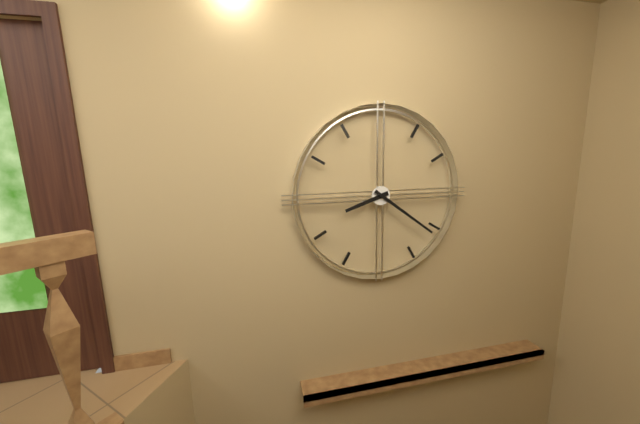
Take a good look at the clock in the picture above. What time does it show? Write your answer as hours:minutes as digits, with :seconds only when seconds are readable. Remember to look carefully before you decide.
8:21
